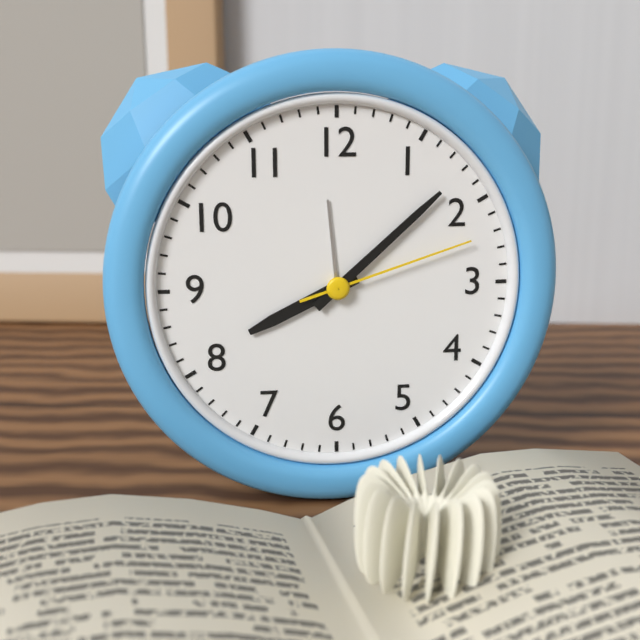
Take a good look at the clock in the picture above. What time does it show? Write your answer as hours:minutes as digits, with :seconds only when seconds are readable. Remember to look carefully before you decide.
8:08:12
